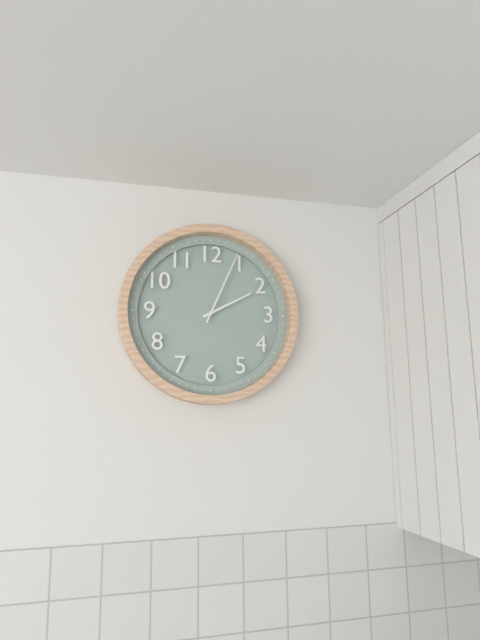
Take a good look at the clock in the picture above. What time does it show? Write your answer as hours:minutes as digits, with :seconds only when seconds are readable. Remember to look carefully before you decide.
2:04
